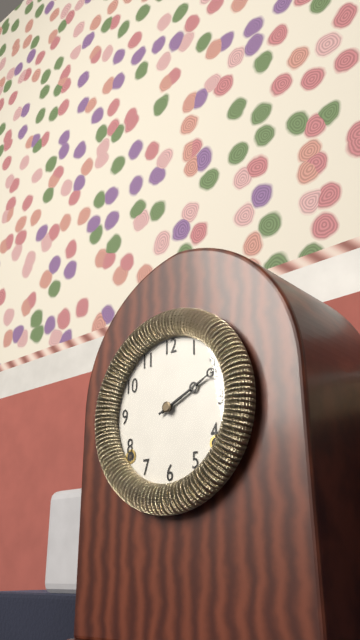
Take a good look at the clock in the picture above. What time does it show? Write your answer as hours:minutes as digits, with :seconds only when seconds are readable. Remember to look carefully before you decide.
2:11
